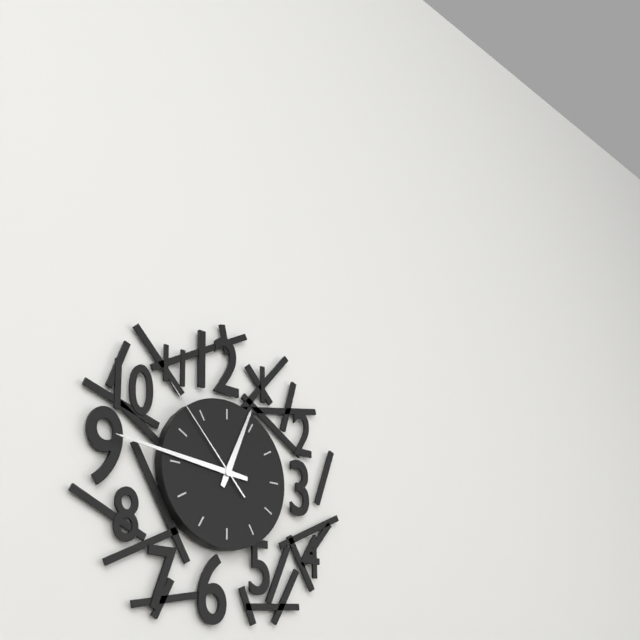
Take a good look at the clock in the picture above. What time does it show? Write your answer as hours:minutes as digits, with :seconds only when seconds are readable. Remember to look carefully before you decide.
12:46:53
